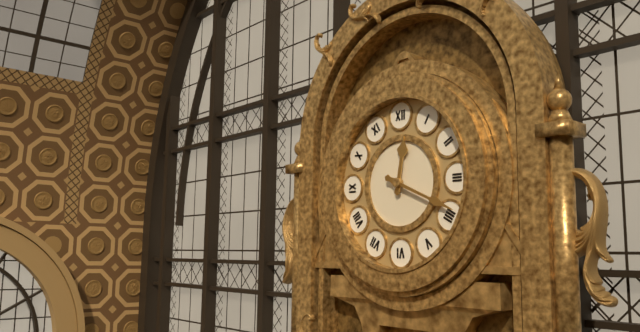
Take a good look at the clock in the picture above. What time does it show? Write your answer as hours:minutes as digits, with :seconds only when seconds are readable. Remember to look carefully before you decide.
12:19
